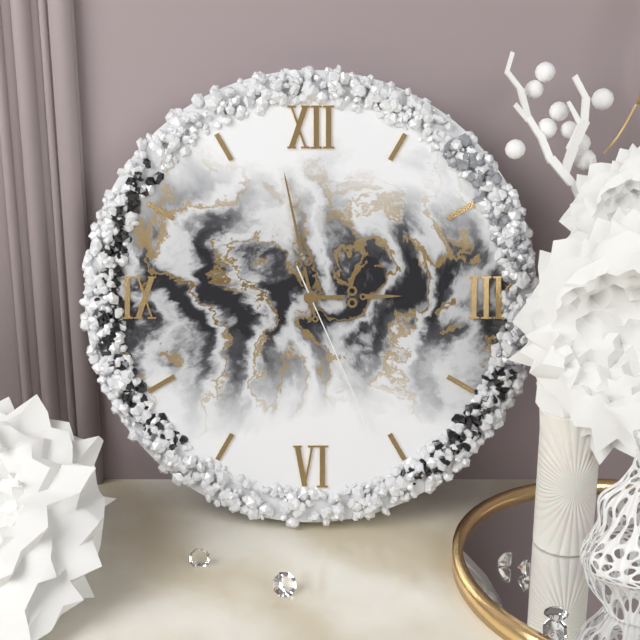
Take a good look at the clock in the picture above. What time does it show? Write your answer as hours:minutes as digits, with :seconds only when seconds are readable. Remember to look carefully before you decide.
2:58:26
